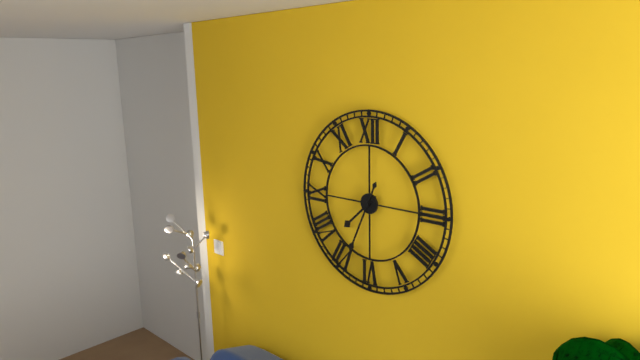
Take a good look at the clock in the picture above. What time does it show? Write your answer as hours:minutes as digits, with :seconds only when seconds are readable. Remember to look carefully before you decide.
7:34
